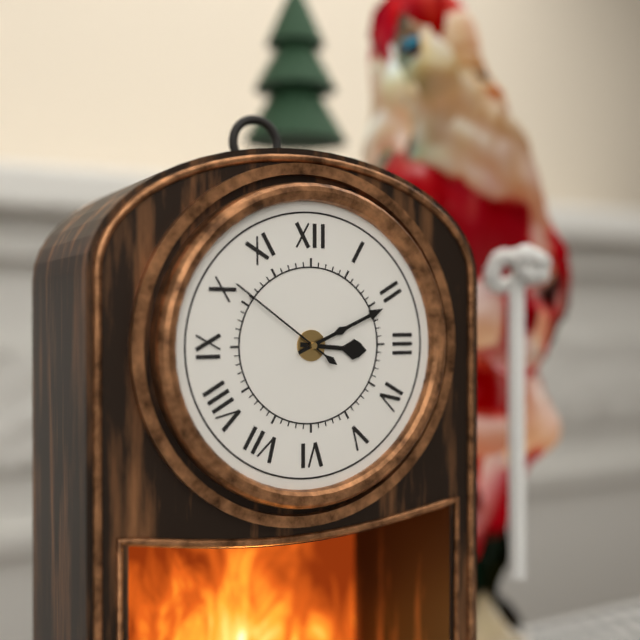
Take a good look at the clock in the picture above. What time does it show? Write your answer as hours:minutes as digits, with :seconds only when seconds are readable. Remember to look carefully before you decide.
3:11:51
